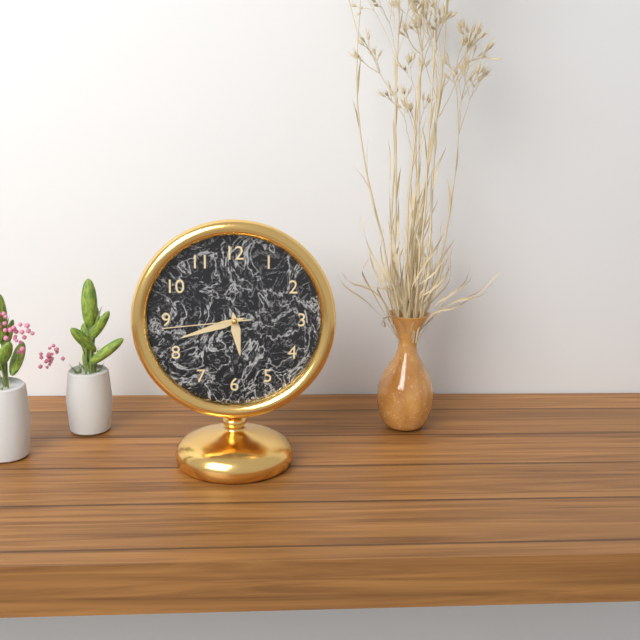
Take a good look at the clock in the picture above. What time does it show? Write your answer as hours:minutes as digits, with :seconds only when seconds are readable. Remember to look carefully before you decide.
5:42:44
